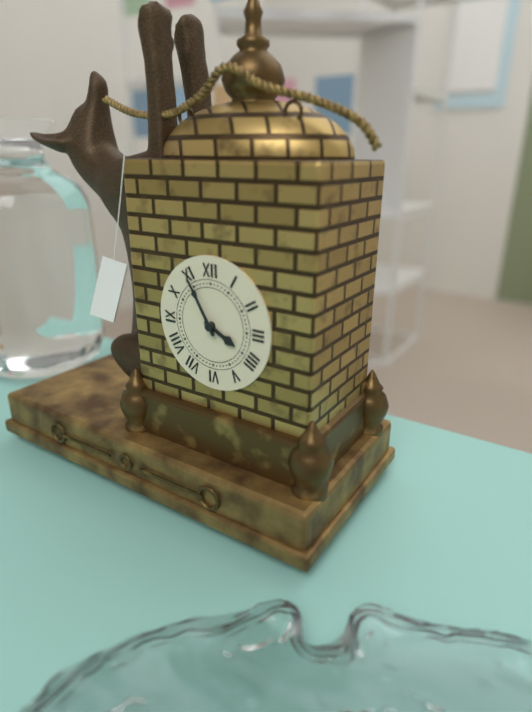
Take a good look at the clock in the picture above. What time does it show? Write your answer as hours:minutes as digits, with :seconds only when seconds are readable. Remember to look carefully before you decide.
3:55
